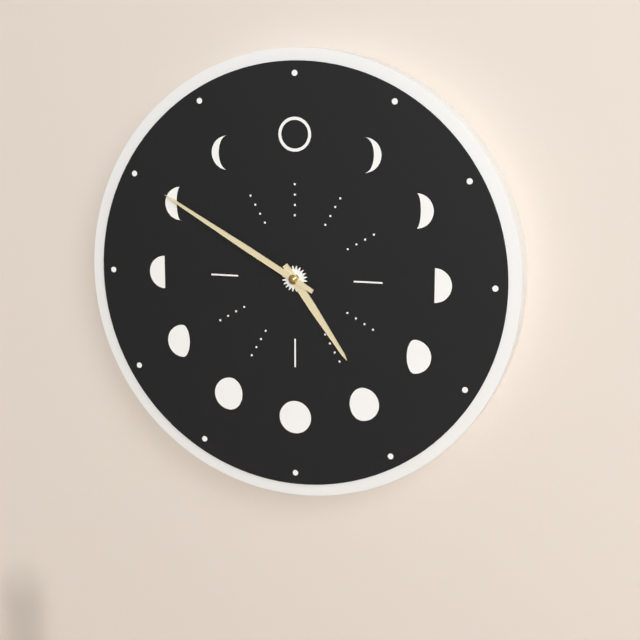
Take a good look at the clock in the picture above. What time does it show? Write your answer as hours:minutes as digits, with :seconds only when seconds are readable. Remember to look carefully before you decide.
4:50
